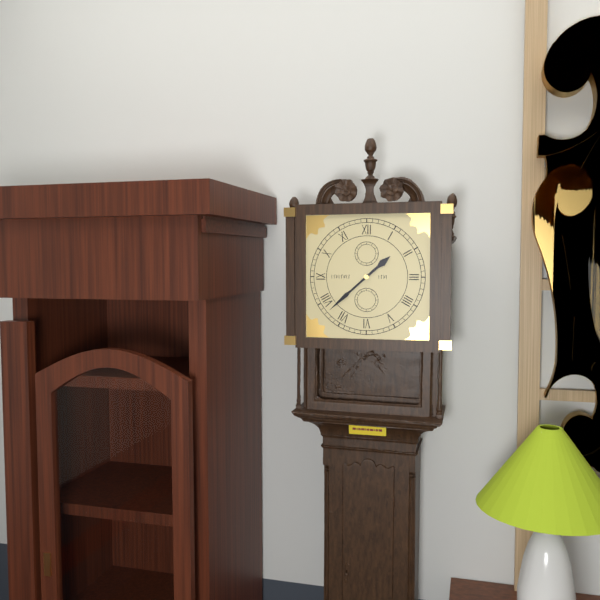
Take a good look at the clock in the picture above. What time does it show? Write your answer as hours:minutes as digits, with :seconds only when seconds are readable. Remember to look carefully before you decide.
1:38
